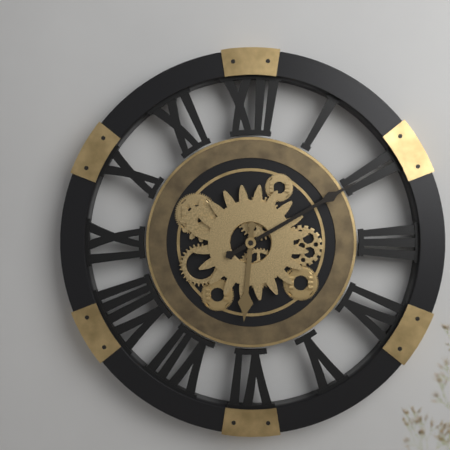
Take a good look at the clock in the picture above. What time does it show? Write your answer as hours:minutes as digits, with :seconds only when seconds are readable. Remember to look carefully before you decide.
6:10
